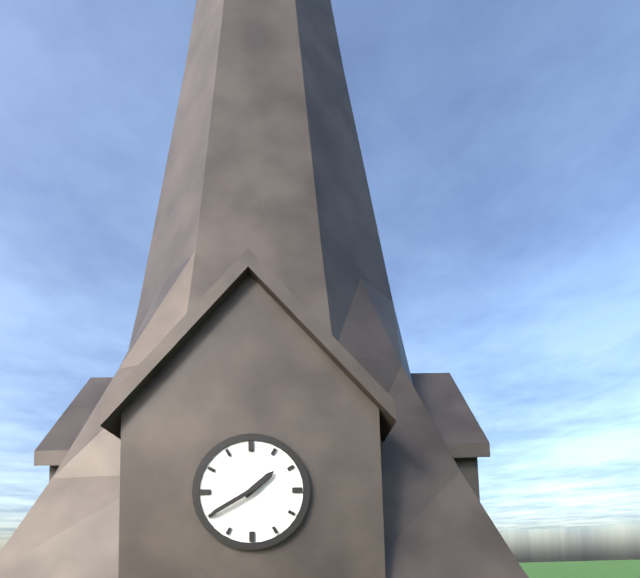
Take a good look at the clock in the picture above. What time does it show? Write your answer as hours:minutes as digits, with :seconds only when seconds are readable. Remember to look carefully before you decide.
1:40
